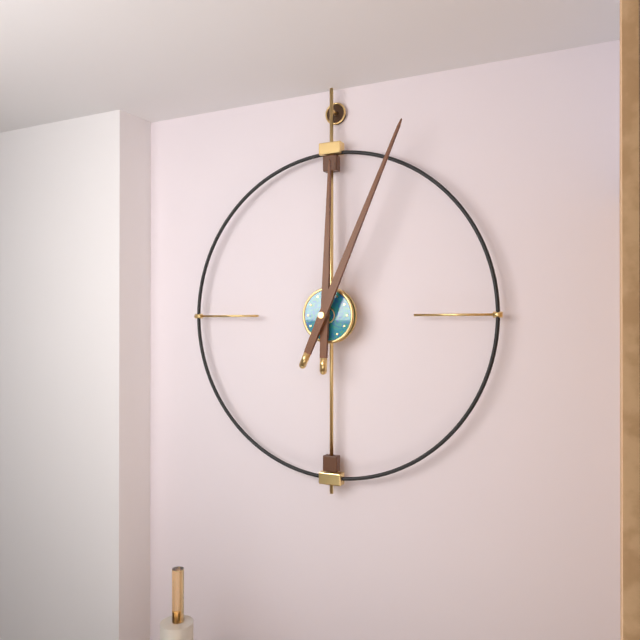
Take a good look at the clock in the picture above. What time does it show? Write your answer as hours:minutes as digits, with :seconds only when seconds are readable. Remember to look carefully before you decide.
12:04
